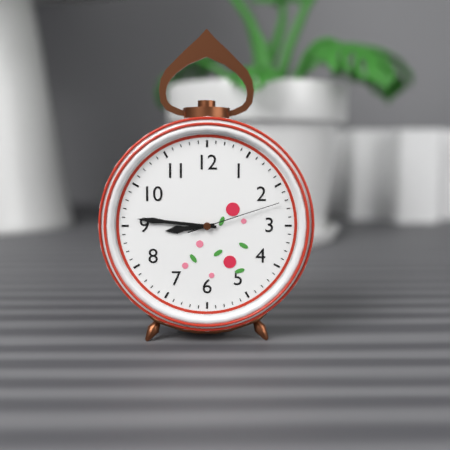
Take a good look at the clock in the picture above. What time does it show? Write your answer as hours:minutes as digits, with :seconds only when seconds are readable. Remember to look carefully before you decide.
8:46:12
